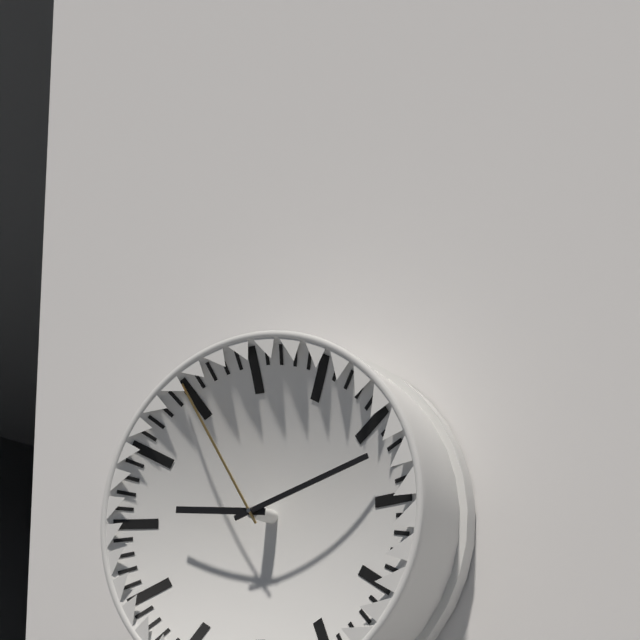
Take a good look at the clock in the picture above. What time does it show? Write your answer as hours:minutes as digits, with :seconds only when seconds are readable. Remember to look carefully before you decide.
9:12:55
